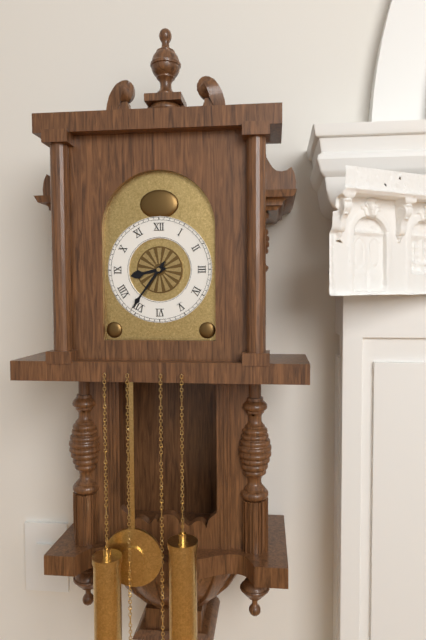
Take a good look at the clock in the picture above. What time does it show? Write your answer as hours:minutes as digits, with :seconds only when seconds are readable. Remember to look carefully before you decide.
8:36
